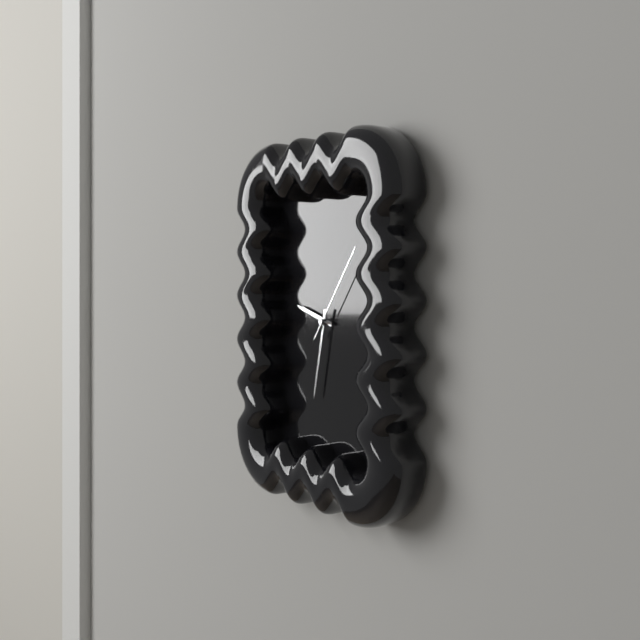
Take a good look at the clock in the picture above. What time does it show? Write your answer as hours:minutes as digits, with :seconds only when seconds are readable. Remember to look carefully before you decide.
9:32:06
